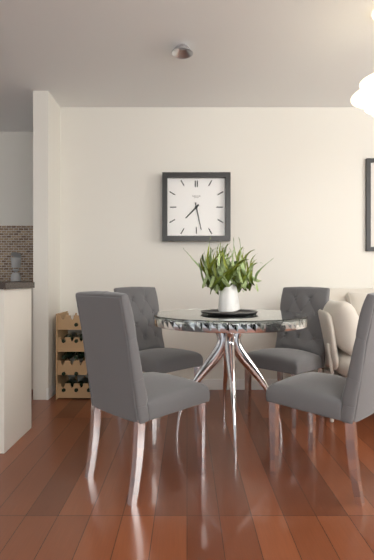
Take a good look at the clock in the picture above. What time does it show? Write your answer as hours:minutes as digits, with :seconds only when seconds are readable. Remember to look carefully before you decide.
7:28
